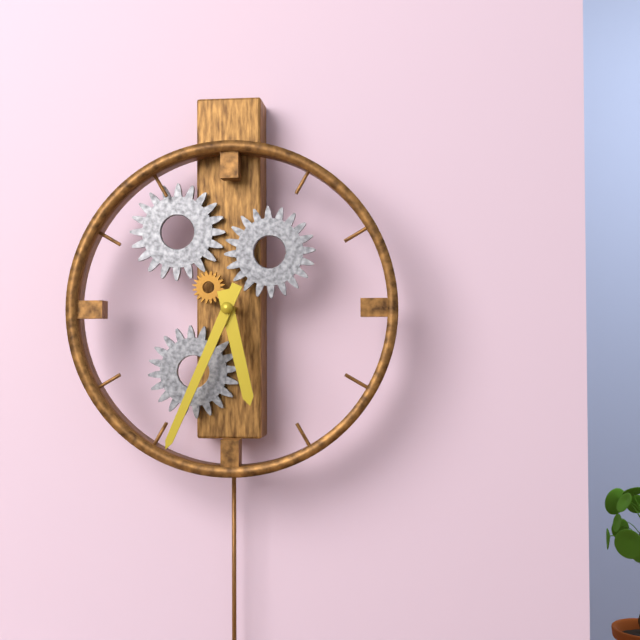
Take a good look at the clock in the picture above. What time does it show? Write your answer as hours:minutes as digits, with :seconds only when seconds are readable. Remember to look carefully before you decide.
5:34
